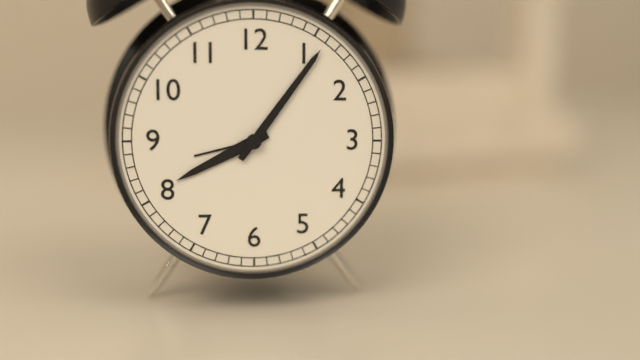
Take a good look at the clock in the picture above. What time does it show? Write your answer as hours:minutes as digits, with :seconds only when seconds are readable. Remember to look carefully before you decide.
8:06
